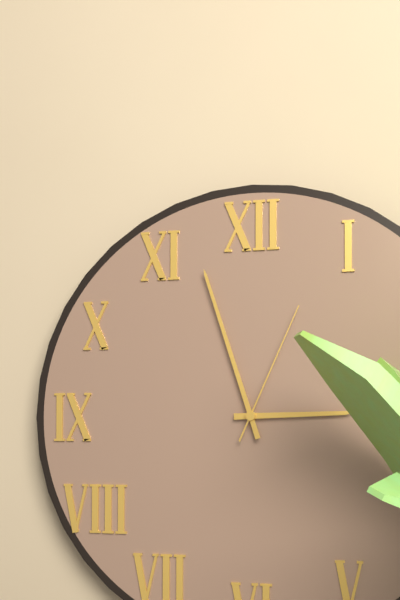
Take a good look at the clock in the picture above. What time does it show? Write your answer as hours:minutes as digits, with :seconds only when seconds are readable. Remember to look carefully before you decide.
2:57:04
